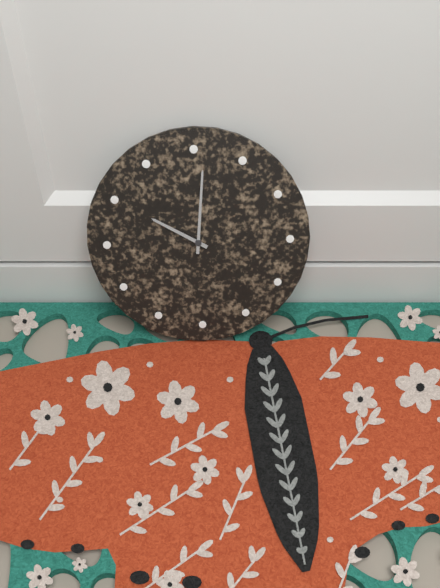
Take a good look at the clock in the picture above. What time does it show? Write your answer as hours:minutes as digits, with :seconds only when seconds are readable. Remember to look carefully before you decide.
10:01
